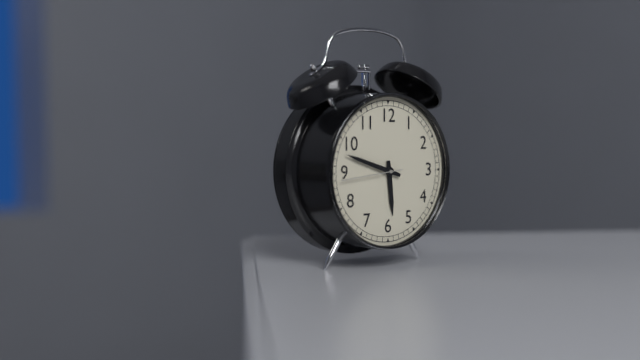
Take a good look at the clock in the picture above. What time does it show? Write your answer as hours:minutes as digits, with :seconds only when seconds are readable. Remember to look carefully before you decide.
5:48:44
